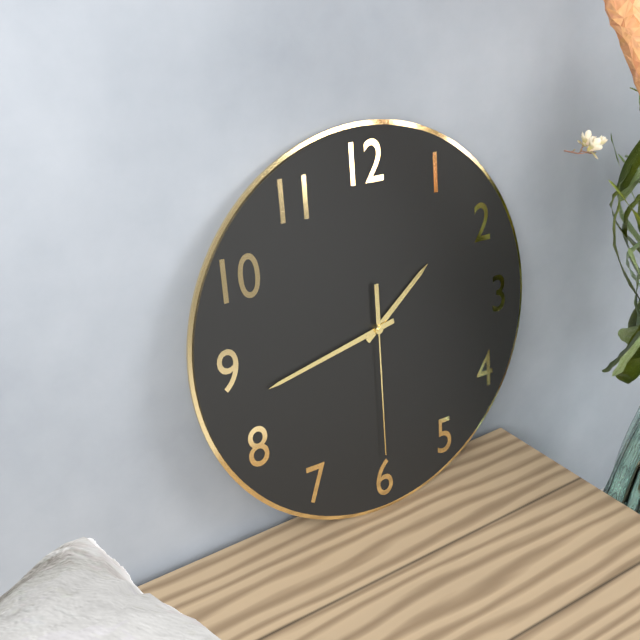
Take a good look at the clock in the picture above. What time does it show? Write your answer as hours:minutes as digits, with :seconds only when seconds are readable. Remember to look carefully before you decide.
1:43:30
